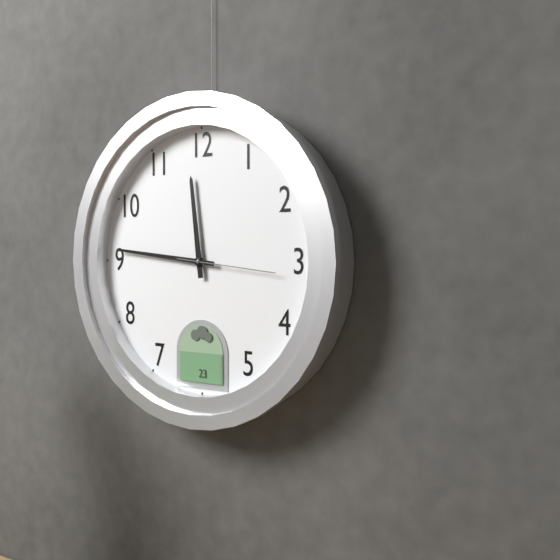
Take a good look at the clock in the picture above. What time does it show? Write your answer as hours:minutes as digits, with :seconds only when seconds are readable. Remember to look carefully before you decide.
11:46:16
